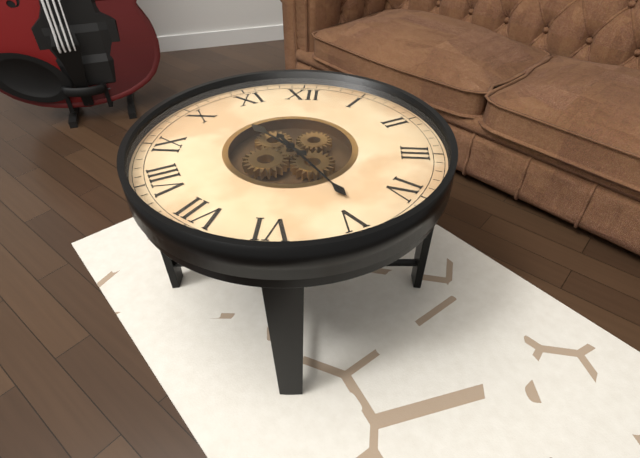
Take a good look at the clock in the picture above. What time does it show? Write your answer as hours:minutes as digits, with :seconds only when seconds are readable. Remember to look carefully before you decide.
10:24
